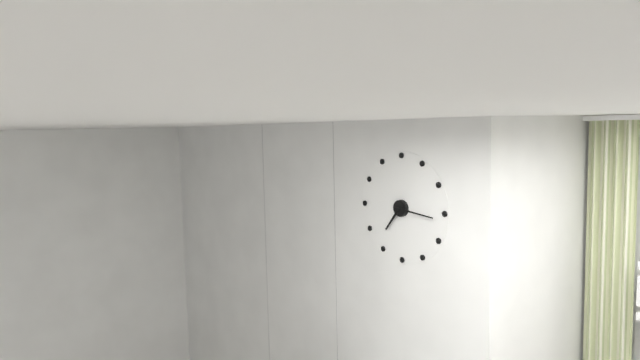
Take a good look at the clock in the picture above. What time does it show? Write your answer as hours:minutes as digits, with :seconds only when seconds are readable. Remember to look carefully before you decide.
7:16
